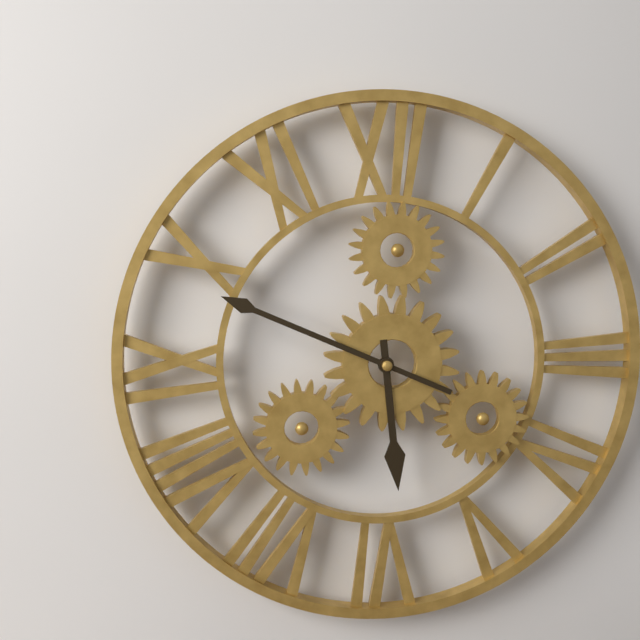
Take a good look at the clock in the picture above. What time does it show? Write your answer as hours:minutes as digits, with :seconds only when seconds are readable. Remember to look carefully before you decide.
5:49
